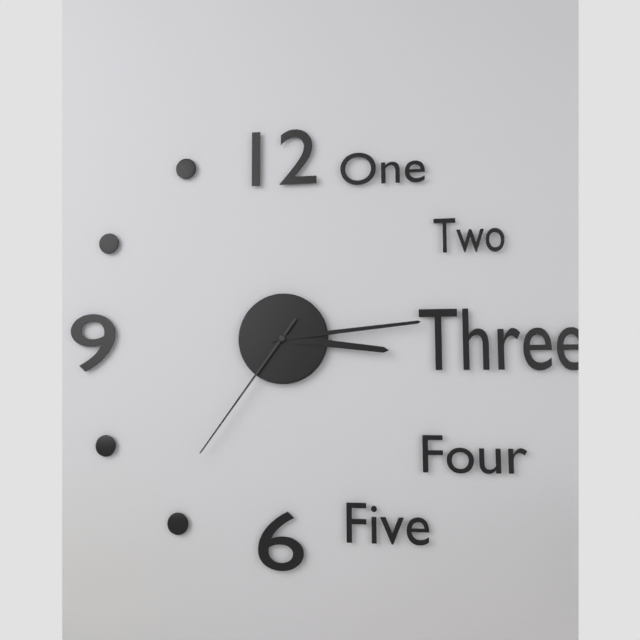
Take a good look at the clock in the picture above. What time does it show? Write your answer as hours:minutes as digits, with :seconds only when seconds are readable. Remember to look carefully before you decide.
3:14:36
